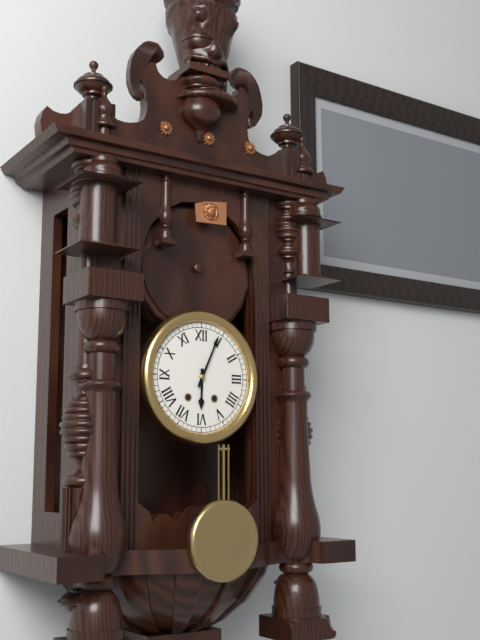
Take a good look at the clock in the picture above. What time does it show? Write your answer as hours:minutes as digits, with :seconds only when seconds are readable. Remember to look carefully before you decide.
6:04
